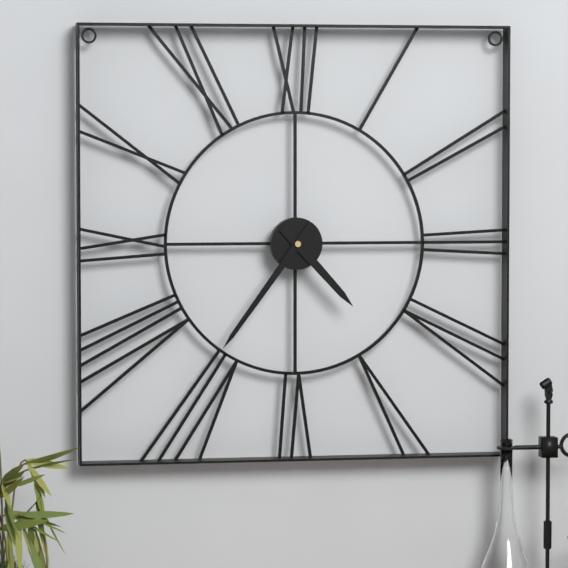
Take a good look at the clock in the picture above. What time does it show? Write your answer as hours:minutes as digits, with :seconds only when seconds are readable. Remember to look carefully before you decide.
4:36
